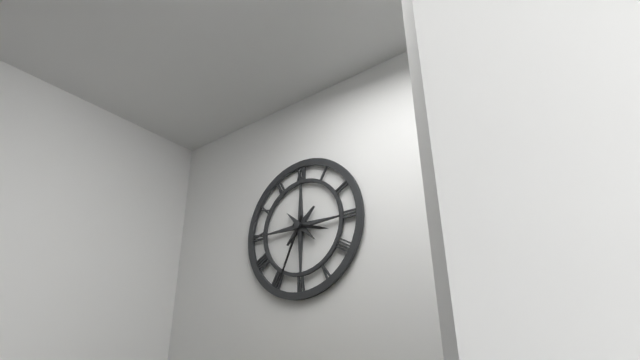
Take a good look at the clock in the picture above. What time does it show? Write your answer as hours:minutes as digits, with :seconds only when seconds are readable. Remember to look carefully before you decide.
3:34
